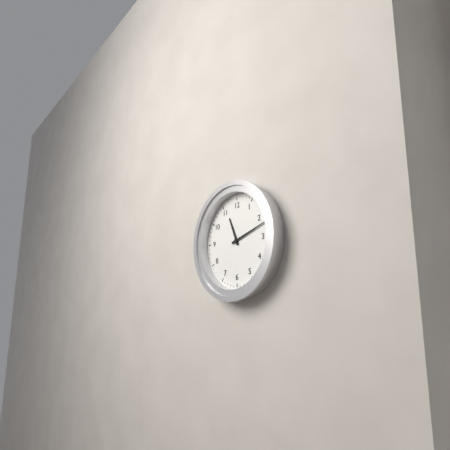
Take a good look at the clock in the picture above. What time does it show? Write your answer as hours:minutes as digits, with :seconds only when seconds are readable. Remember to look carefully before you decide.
11:12
